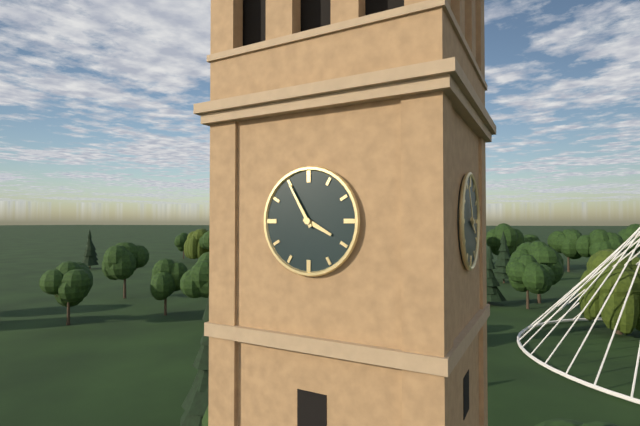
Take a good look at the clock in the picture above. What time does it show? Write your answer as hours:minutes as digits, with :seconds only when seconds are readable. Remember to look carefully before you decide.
3:55
